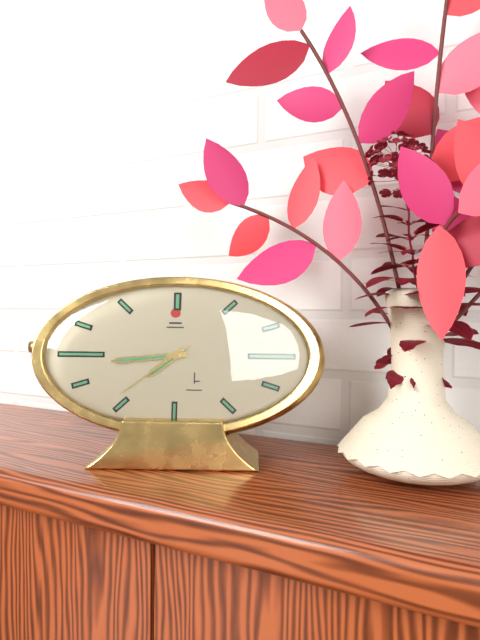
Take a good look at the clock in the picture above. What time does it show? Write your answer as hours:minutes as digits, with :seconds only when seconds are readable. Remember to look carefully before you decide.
7:44:39
